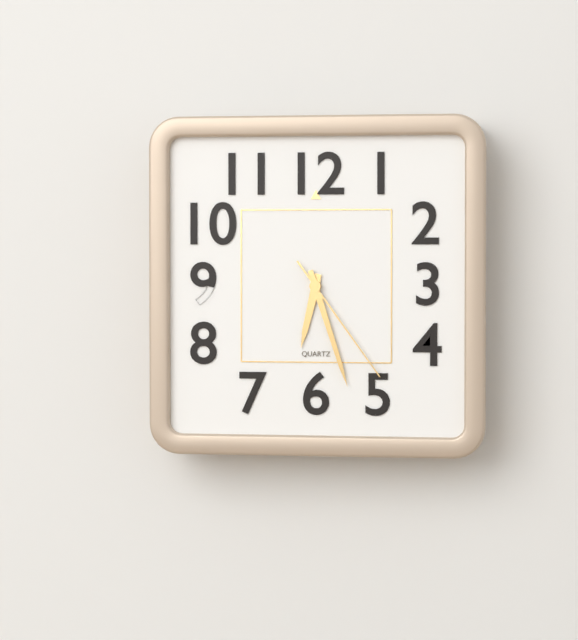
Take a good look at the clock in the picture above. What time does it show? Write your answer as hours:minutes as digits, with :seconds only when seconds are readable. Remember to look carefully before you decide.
6:27:24
